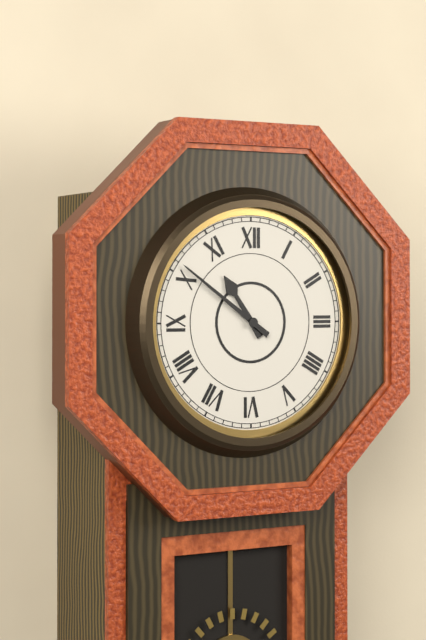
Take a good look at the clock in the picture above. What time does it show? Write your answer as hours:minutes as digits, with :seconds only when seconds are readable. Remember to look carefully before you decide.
10:51
